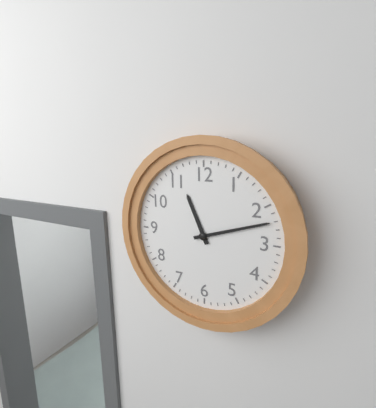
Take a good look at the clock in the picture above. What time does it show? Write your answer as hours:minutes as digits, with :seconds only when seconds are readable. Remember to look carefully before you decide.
11:12
